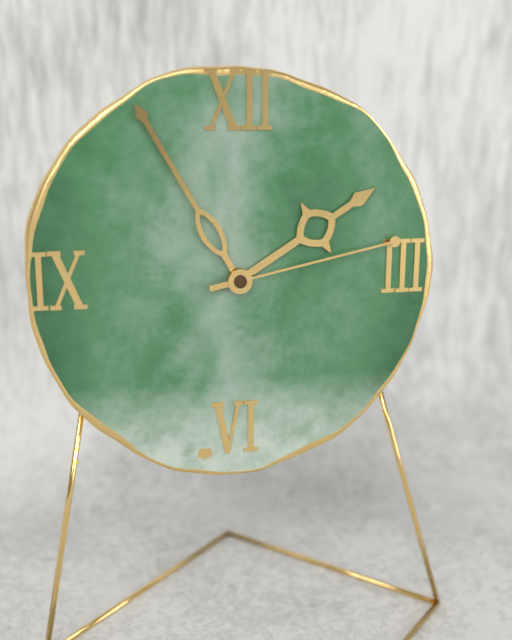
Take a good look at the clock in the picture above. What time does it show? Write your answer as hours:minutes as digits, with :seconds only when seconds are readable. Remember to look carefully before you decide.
1:55:13
